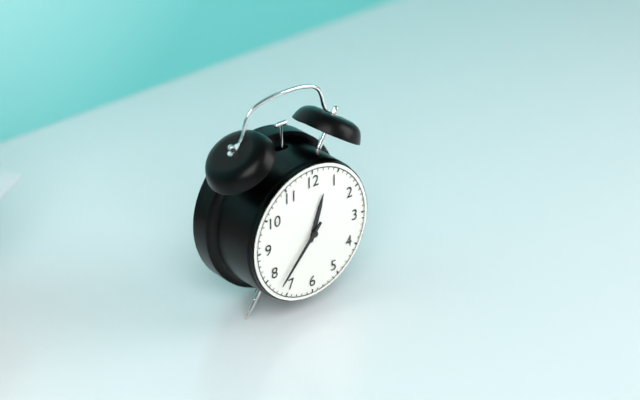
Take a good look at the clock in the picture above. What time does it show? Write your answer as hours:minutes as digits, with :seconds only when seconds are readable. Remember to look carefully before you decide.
12:37
